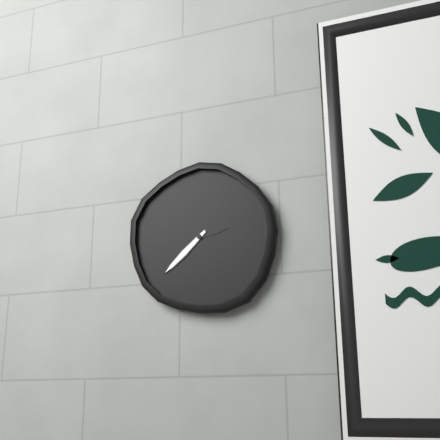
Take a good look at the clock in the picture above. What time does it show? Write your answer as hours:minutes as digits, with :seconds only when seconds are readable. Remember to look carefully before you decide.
2:38
